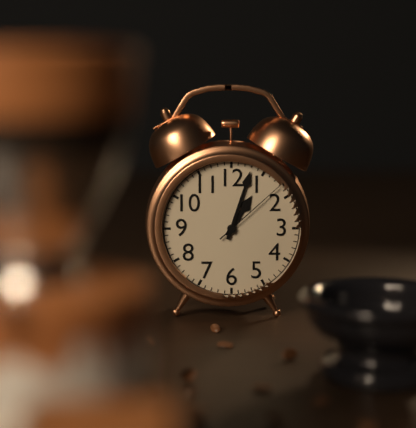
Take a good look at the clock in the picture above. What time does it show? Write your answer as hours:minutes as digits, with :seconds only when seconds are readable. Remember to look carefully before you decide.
1:03:08
